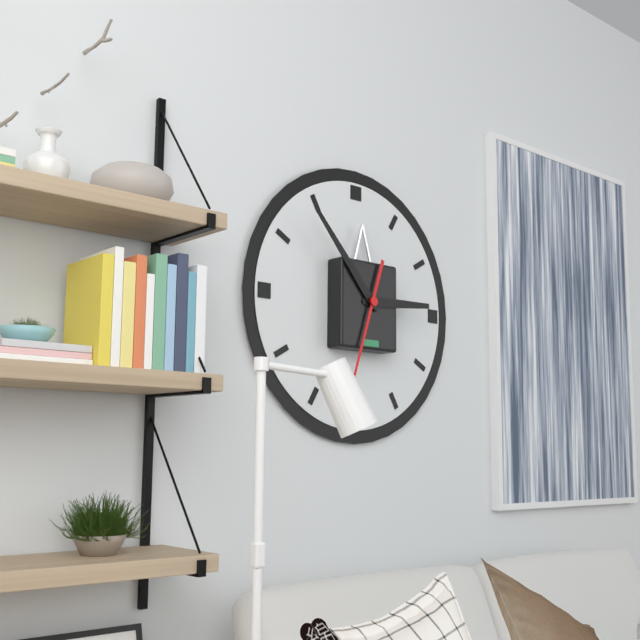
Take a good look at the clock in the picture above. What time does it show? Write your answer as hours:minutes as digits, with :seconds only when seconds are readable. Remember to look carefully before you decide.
2:53
